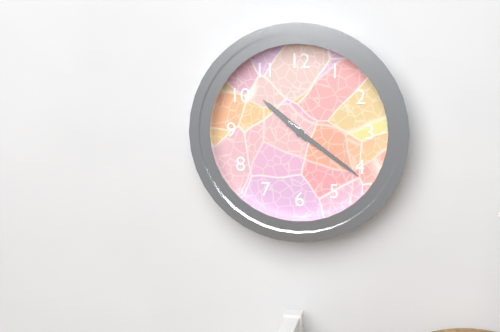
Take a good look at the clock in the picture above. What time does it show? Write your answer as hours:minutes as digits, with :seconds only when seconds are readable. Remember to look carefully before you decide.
10:21
